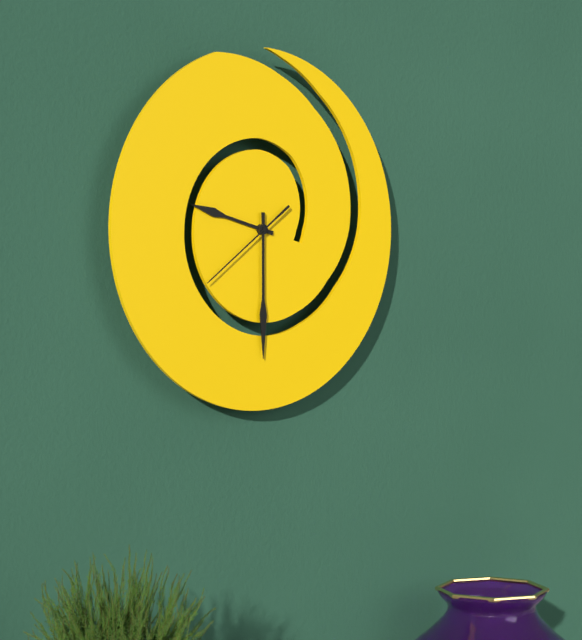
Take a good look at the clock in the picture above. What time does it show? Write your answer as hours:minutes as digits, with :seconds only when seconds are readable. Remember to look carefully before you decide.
9:30:39
